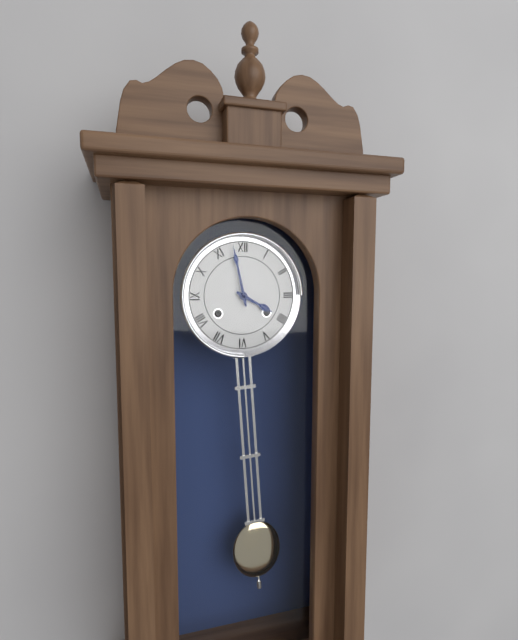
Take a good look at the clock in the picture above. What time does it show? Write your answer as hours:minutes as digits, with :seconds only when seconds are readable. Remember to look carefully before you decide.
3:58
